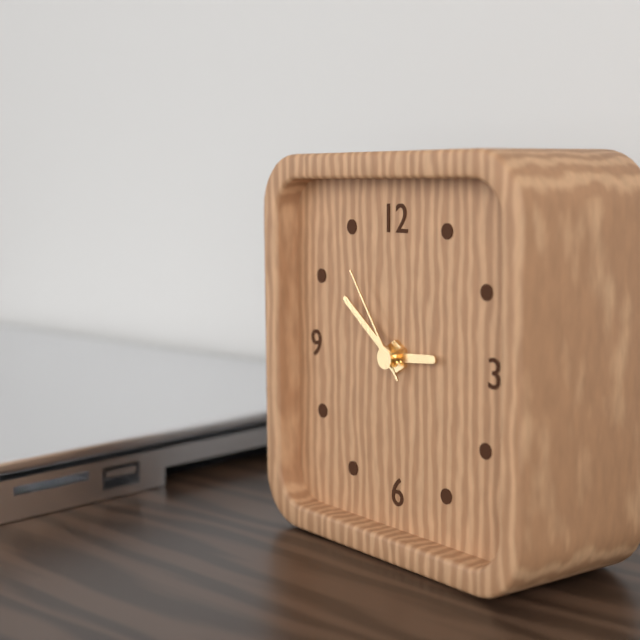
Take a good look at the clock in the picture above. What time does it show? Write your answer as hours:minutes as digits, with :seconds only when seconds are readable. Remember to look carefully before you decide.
2:51:54
